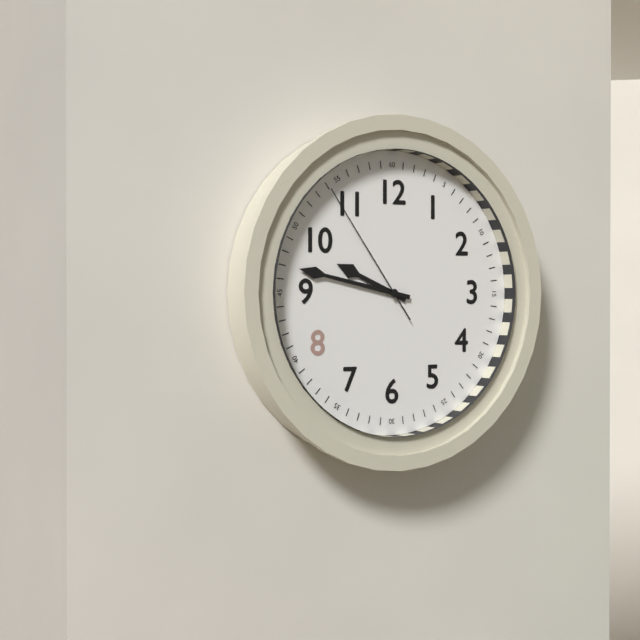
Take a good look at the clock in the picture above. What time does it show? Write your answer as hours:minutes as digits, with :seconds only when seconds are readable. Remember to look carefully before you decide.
9:47:54
